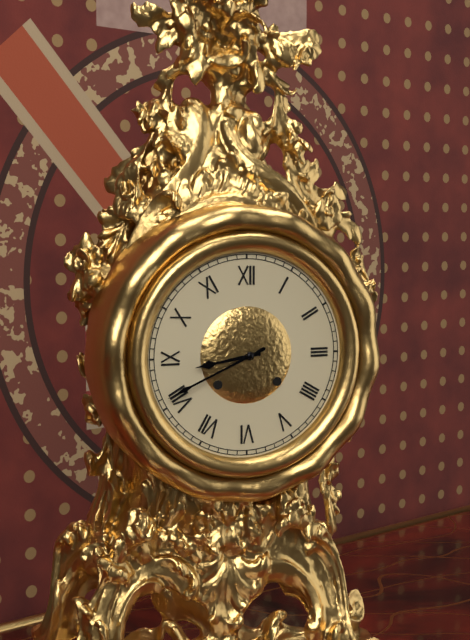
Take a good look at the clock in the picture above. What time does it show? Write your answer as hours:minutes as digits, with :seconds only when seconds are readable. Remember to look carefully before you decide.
8:41
